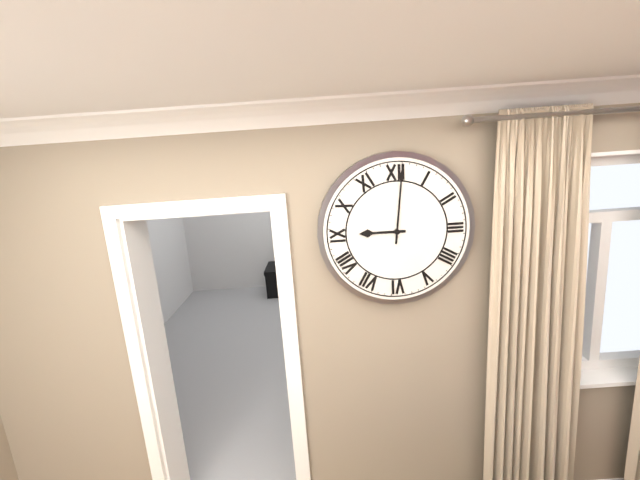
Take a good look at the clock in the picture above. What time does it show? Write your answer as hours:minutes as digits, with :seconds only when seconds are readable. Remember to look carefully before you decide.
9:01
